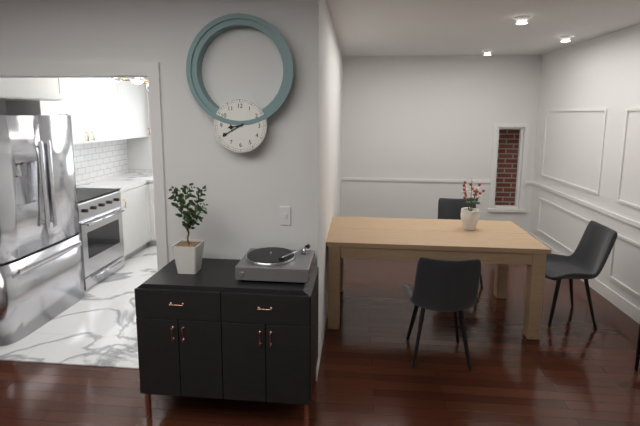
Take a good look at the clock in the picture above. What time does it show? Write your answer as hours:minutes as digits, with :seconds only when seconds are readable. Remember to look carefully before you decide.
8:40
